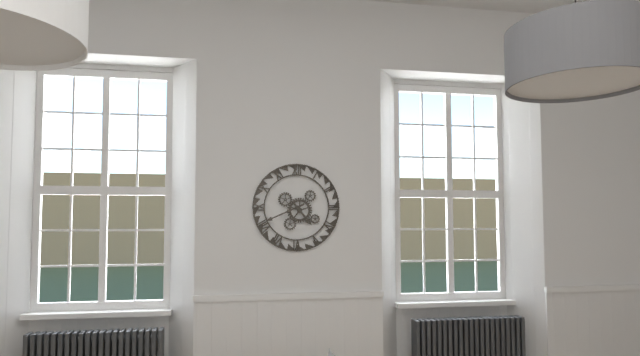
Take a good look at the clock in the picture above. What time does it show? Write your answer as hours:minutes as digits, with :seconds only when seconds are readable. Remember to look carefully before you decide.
4:41
